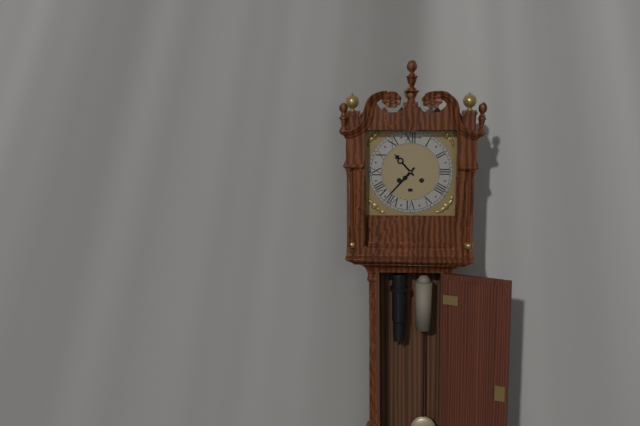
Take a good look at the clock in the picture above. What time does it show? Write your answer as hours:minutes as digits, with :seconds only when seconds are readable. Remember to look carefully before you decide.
10:37
